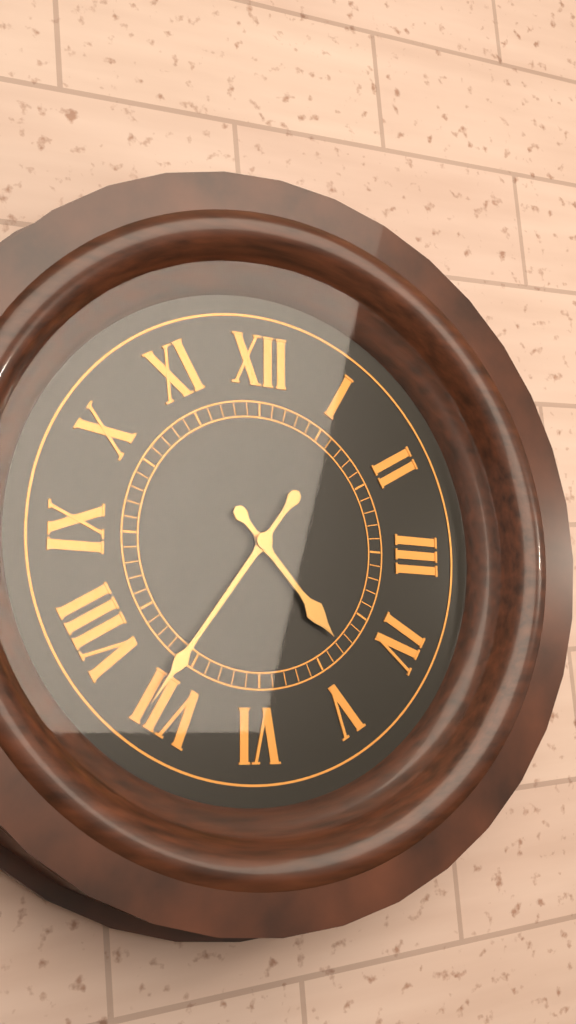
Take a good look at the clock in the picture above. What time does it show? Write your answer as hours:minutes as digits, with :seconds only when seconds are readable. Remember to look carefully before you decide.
4:36
